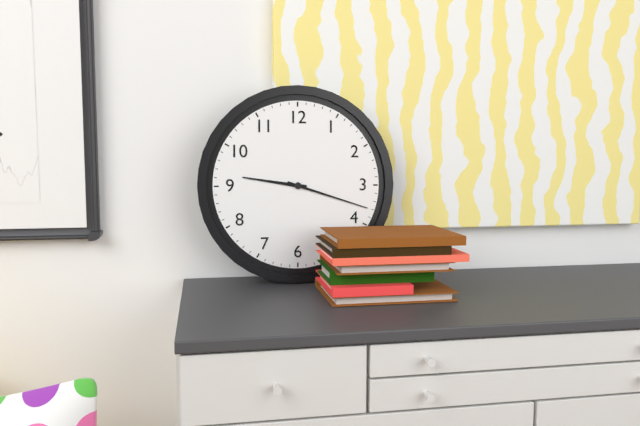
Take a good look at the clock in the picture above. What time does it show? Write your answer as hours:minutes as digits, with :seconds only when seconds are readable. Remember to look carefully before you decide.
9:18
